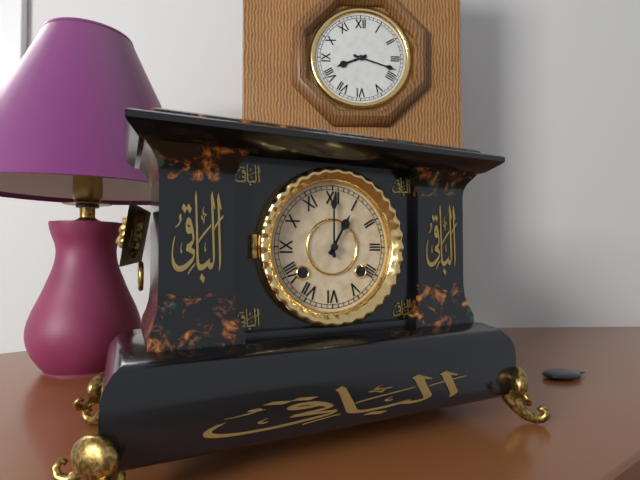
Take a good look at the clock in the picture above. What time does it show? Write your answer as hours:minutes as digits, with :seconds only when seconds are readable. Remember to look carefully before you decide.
1:00
